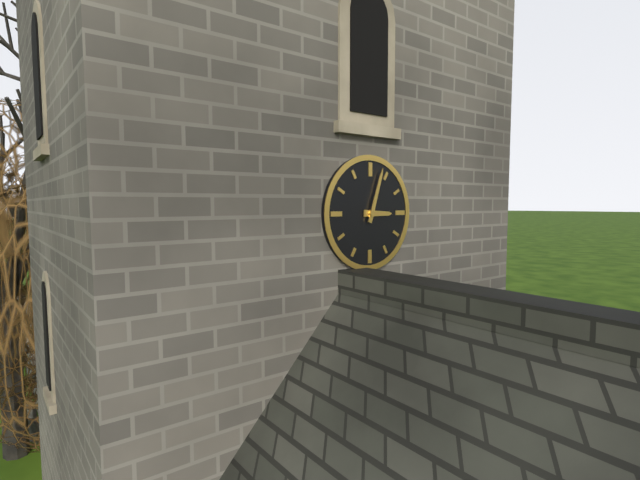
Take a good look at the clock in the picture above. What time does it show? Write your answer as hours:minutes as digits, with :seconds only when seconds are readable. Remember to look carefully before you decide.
3:03
